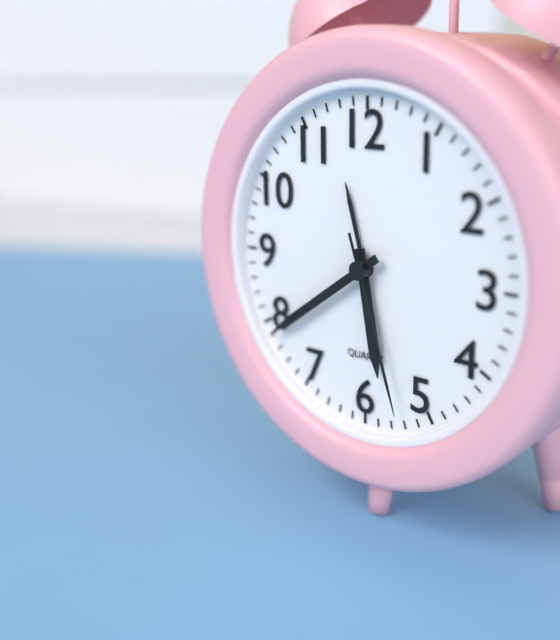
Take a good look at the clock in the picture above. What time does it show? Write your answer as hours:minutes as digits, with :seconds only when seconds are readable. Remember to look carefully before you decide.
5:39:27
